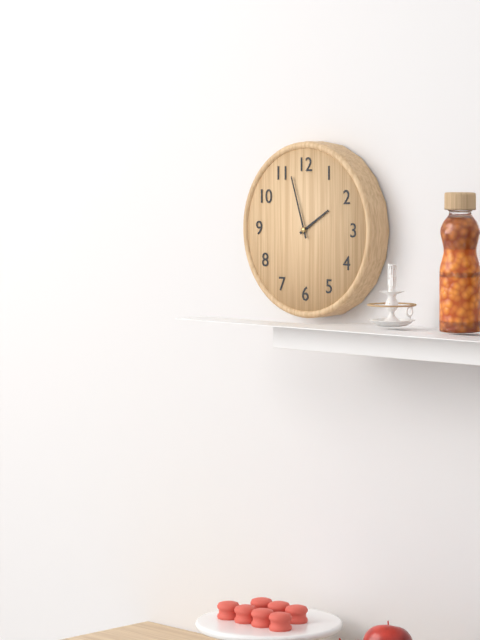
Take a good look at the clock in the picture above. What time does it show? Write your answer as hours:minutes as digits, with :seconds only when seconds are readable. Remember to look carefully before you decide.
1:57
